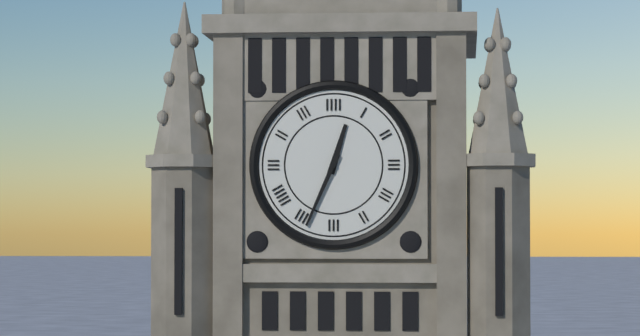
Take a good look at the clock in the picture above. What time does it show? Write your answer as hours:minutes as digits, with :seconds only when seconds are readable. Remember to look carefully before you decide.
12:34
